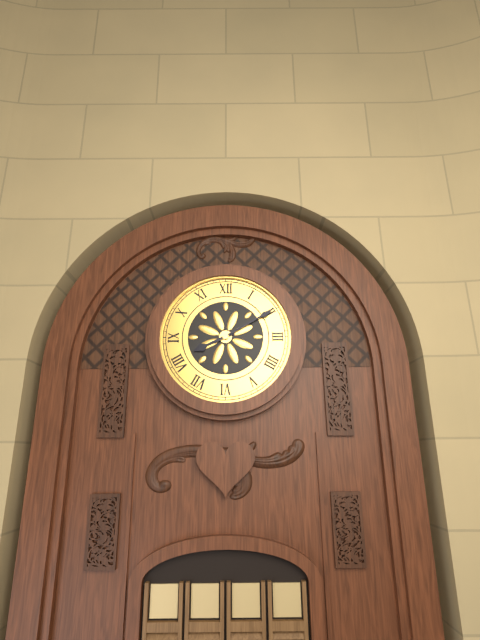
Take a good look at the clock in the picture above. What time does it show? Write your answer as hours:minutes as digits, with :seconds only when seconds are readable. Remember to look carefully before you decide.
8:10
